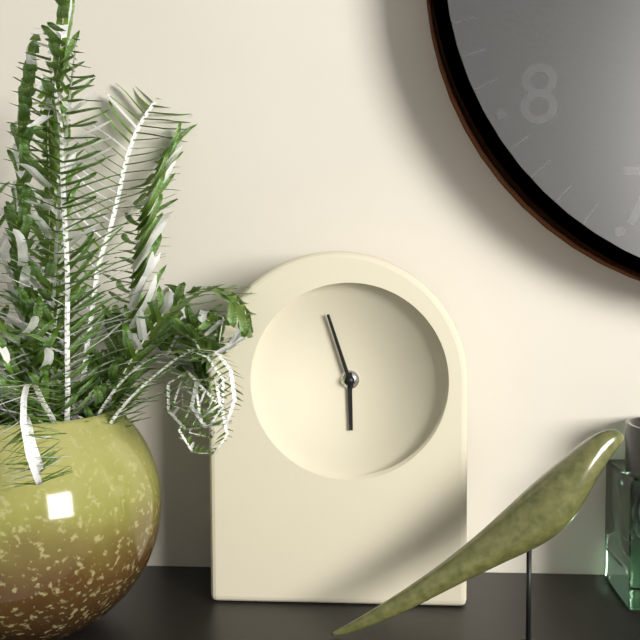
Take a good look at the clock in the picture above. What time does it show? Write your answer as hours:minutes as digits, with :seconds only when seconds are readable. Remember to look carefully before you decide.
5:57
